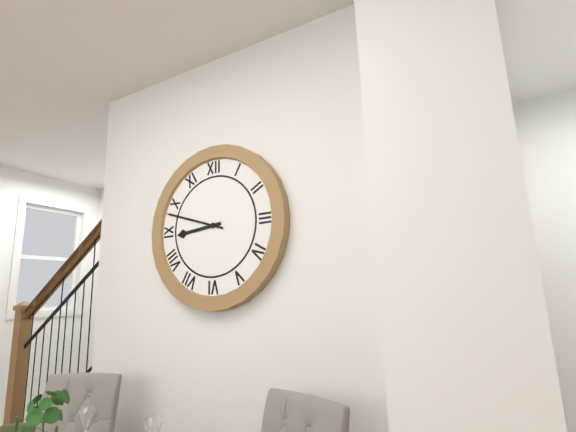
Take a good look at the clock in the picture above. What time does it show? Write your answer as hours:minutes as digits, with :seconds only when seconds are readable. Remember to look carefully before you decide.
8:48
